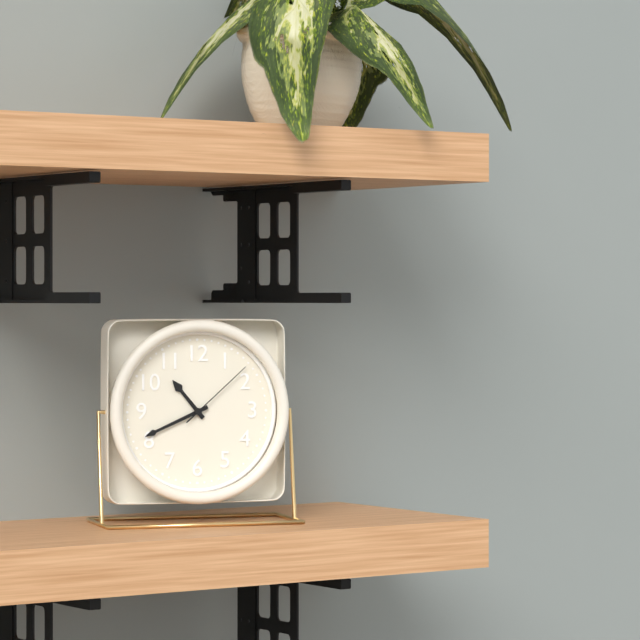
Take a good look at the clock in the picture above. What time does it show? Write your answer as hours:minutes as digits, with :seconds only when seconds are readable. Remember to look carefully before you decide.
10:41:08
